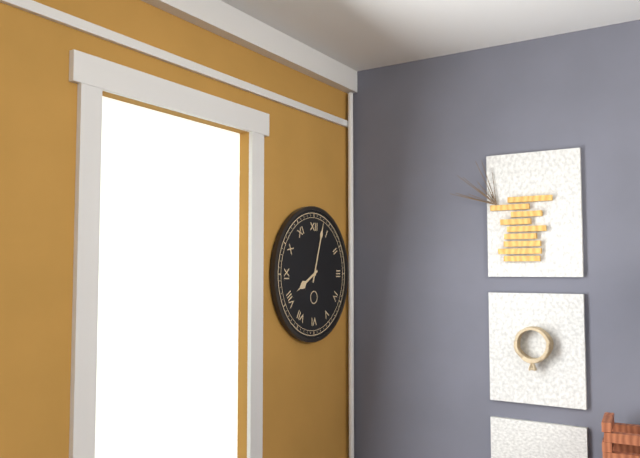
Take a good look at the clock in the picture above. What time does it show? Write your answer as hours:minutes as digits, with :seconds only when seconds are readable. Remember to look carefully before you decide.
8:03
